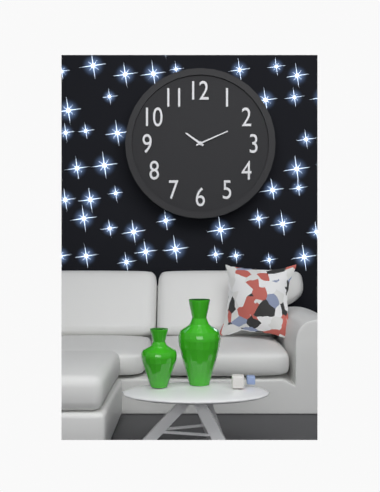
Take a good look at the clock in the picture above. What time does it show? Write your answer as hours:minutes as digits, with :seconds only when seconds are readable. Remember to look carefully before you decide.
10:11
